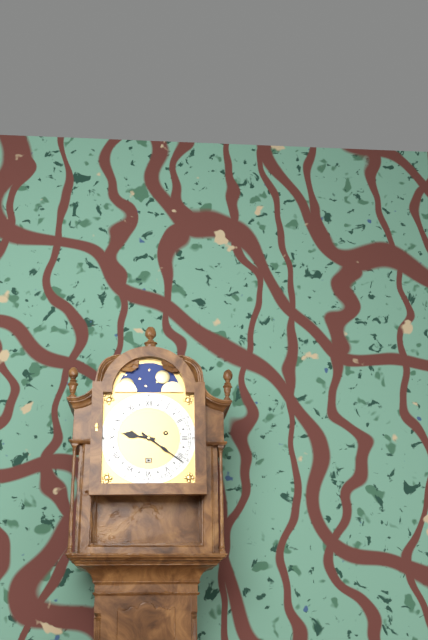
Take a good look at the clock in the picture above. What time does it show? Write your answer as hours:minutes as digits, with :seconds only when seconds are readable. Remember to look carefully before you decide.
9:21
